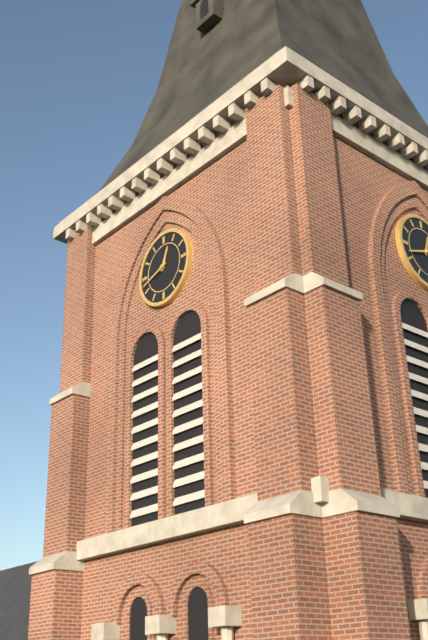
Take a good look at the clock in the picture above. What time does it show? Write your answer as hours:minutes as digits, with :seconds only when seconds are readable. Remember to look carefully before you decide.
12:42
